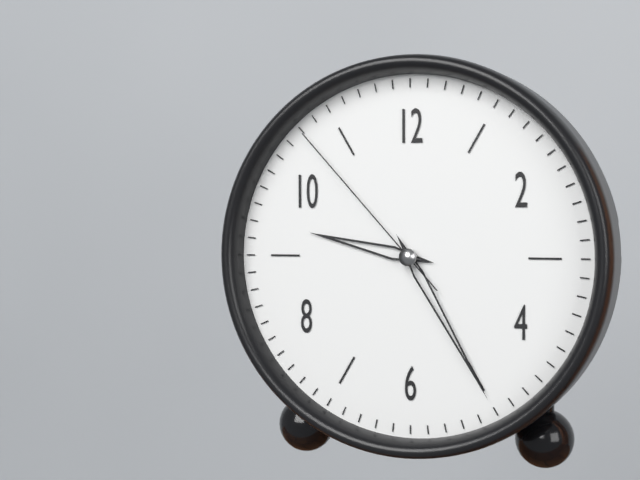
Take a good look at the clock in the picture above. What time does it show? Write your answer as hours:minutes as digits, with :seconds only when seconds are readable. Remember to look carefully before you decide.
9:25:53
